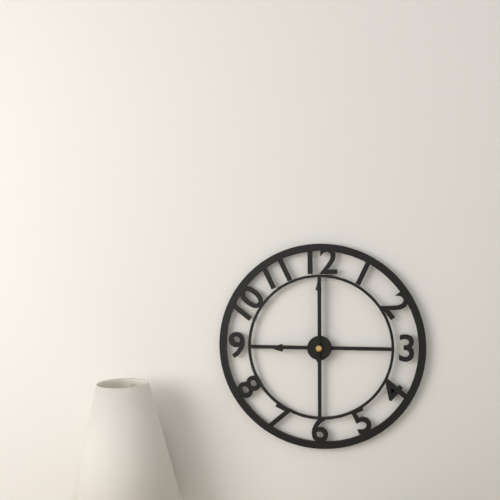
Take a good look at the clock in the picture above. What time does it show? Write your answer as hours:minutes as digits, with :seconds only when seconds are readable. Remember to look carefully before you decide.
9:00
